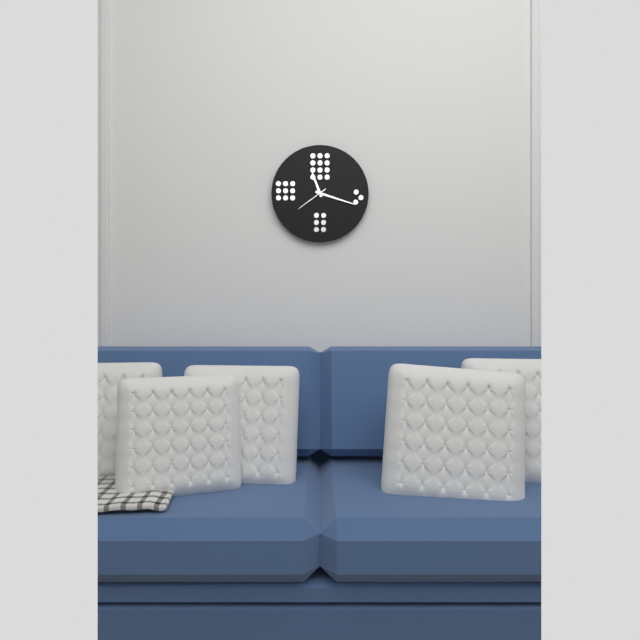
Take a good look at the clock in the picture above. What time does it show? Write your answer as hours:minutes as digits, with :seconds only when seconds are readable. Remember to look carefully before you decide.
11:18
